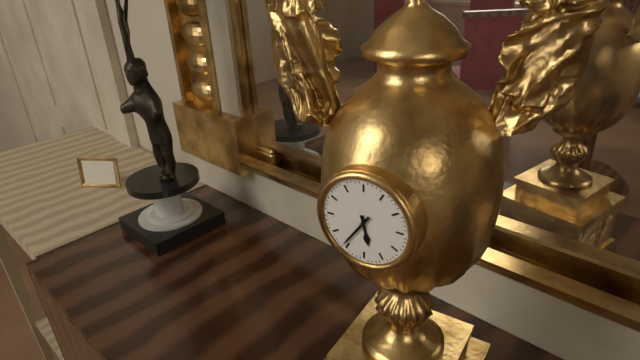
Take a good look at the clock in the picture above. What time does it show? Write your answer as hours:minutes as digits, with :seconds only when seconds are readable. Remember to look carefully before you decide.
5:36
